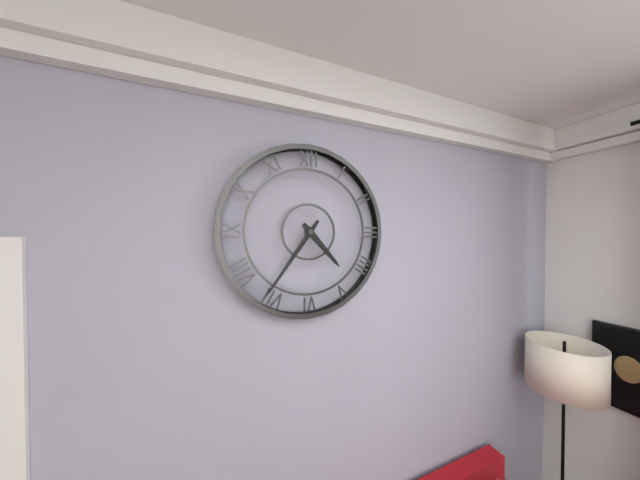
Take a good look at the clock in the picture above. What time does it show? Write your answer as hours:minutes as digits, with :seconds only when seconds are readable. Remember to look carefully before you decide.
4:36
